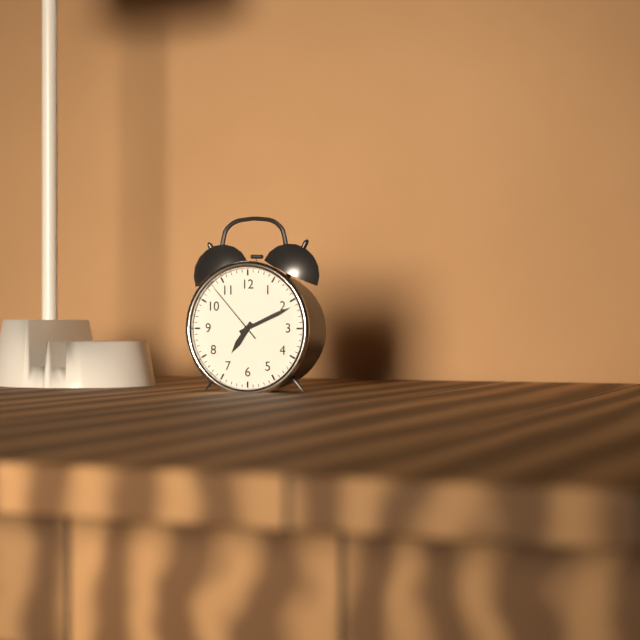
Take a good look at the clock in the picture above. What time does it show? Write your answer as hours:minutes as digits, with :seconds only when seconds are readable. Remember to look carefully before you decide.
7:11:53
